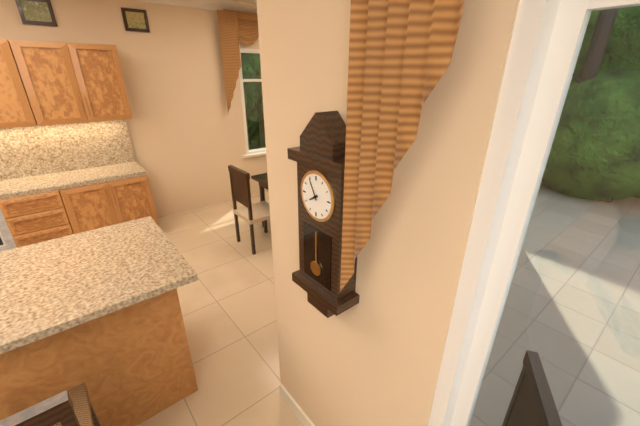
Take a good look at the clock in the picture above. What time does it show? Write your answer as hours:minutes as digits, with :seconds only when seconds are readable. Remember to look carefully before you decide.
7:55
